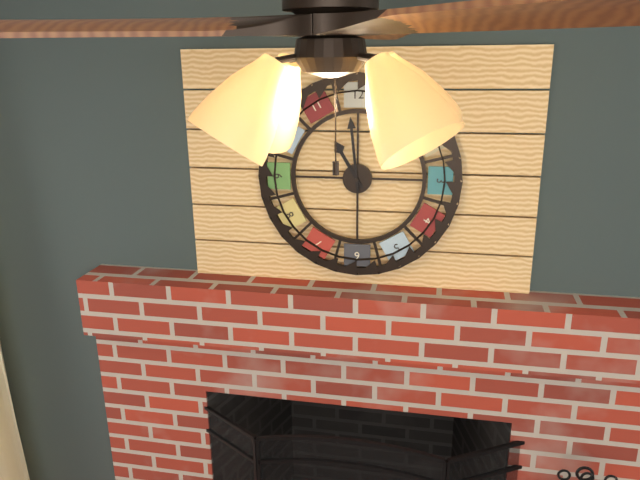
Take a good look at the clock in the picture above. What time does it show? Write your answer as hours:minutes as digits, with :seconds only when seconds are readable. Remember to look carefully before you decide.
10:59
